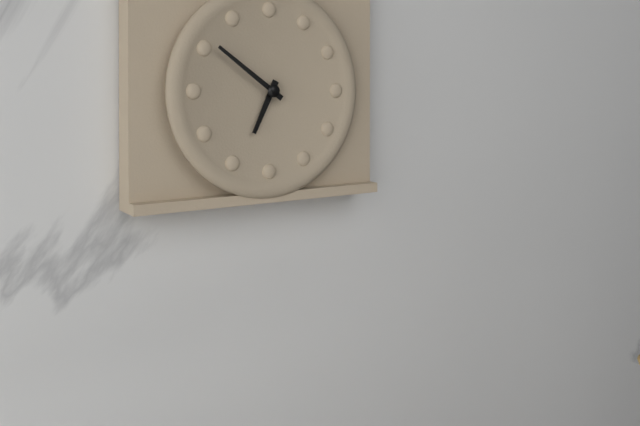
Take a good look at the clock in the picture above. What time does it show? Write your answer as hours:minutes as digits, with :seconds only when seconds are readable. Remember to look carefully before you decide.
6:51
